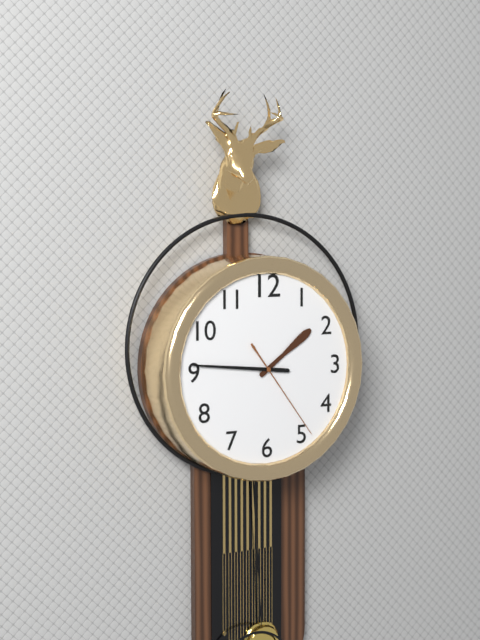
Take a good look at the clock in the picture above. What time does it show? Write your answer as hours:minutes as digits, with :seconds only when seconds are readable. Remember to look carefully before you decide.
1:46:24
